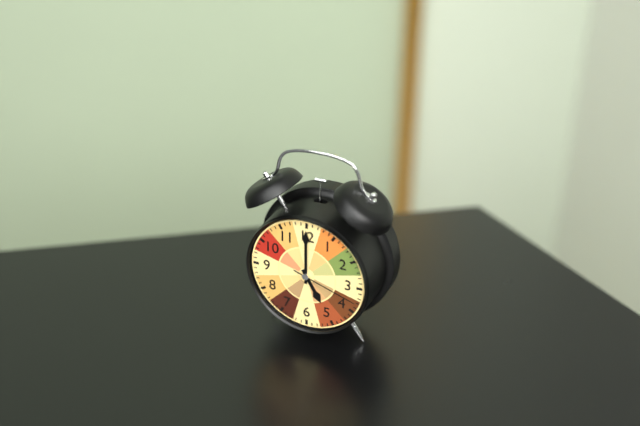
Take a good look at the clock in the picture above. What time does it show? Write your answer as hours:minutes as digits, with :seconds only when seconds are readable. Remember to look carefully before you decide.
5:00:18
